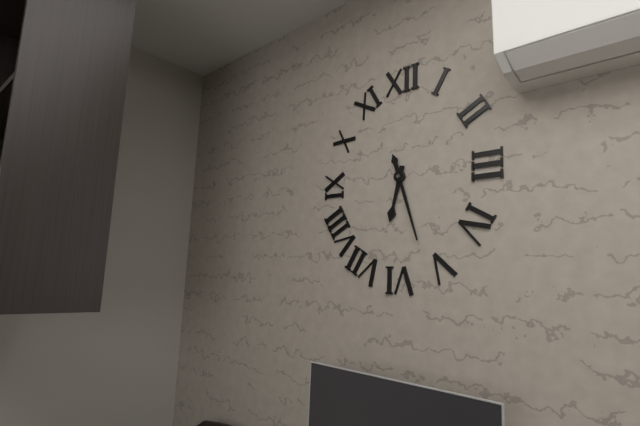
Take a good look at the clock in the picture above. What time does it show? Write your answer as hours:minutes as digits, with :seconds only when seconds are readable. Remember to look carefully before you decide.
6:27
